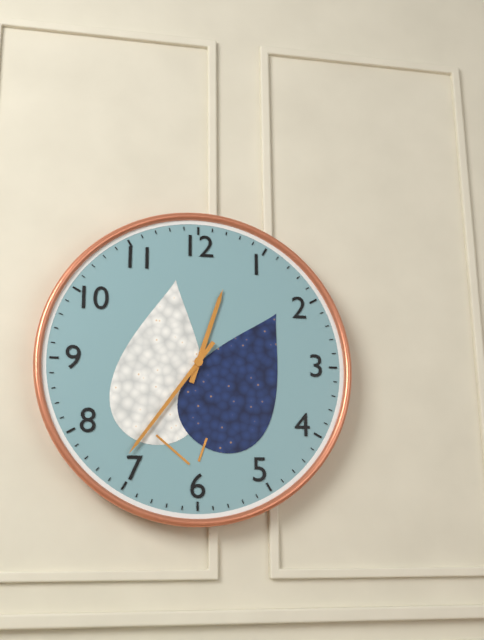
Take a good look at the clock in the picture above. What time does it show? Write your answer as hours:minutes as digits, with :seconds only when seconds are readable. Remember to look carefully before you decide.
12:36
